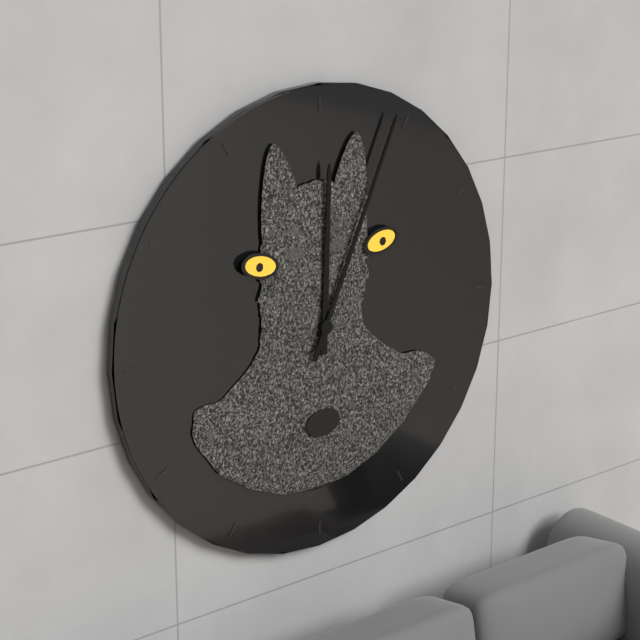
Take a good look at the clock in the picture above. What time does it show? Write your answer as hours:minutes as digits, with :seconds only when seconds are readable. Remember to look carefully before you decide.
12:04
